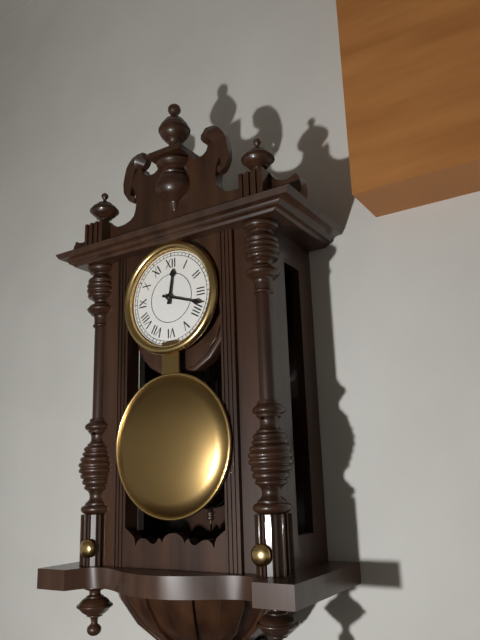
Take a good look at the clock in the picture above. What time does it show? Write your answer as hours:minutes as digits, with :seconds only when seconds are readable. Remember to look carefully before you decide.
12:18
